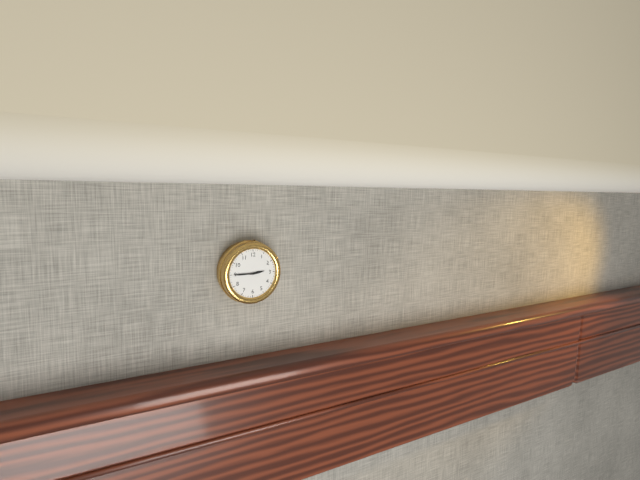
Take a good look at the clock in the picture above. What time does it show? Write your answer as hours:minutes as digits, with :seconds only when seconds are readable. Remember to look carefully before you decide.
2:45
